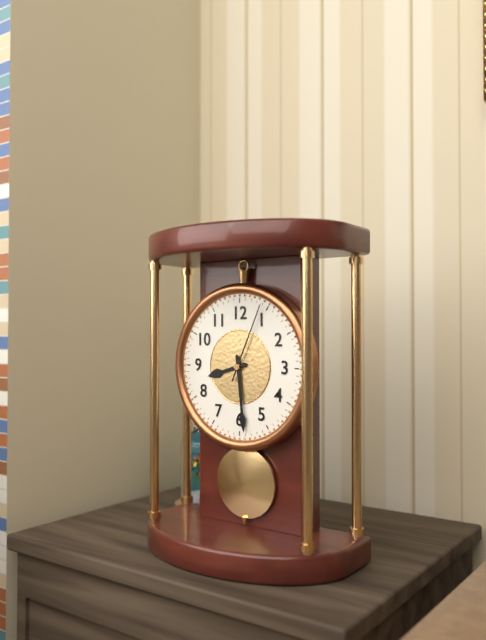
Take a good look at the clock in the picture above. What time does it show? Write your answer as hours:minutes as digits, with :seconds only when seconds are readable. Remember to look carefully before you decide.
8:29:04
